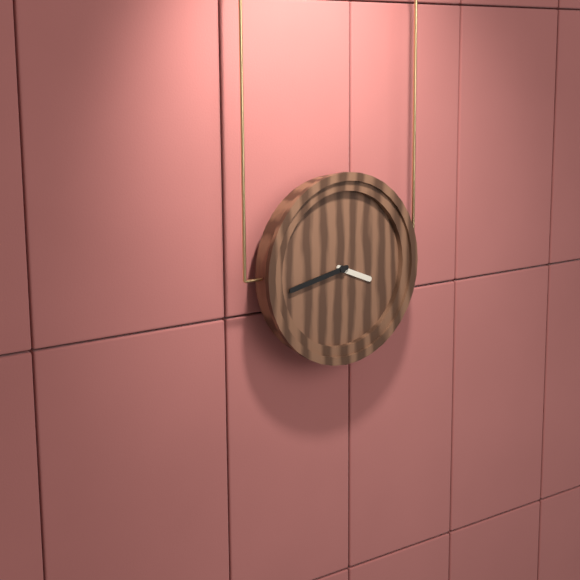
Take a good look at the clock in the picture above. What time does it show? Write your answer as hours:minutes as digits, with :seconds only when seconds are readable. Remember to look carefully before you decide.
3:43
